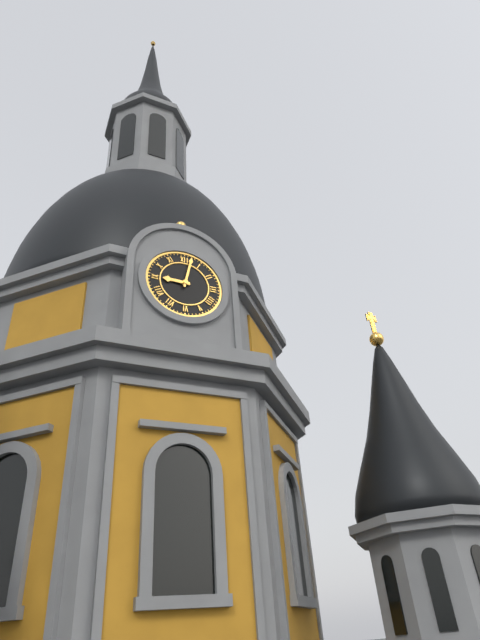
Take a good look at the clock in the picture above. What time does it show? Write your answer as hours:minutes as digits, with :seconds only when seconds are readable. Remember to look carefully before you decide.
9:02
